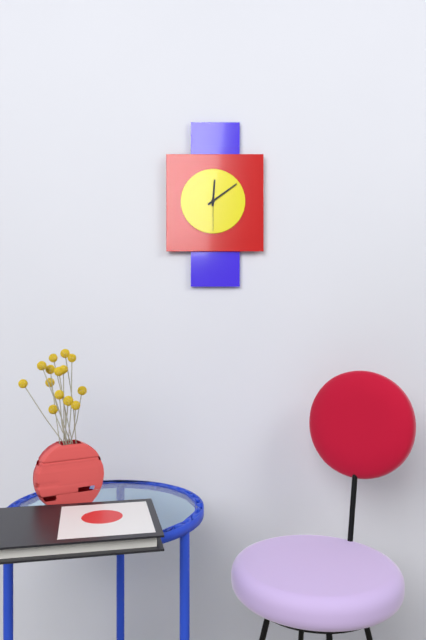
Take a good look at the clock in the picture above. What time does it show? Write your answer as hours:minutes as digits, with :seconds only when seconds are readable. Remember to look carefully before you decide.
12:09
